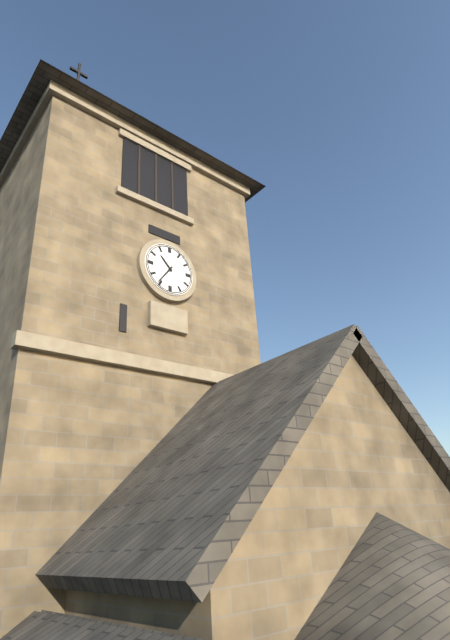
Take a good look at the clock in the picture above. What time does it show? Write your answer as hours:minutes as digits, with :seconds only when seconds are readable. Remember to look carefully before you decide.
10:36
